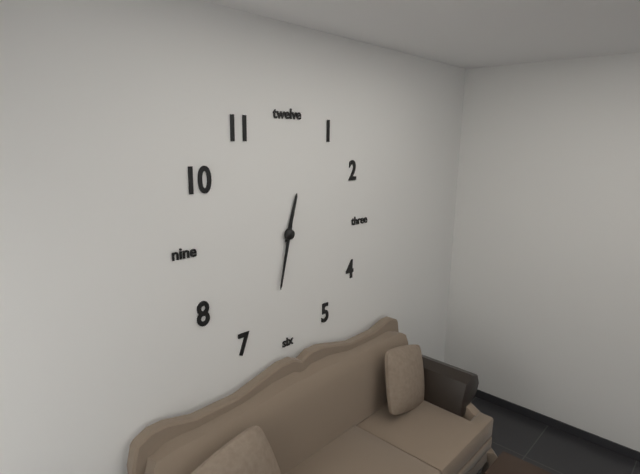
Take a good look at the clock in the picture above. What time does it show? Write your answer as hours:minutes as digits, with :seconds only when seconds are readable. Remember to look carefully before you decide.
12:32
